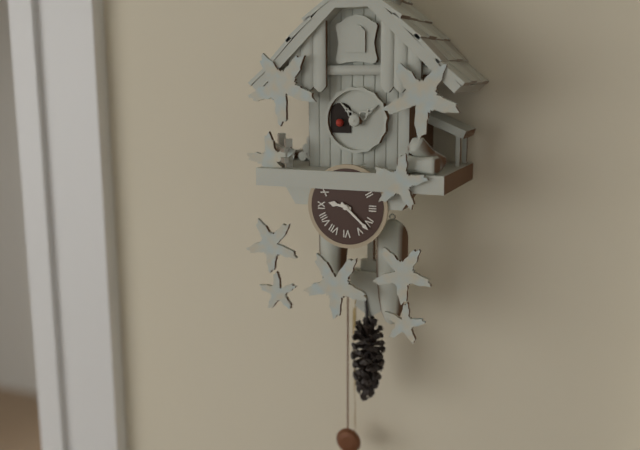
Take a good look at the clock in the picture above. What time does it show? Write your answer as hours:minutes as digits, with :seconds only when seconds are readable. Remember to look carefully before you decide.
9:22
